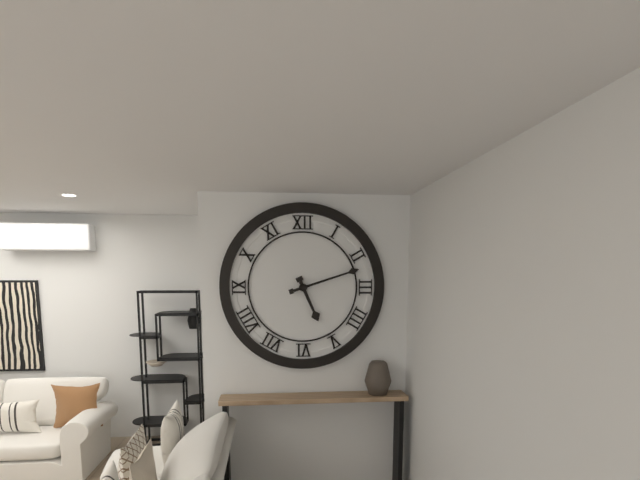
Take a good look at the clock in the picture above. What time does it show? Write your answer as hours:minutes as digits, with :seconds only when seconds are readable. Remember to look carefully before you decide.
5:12
